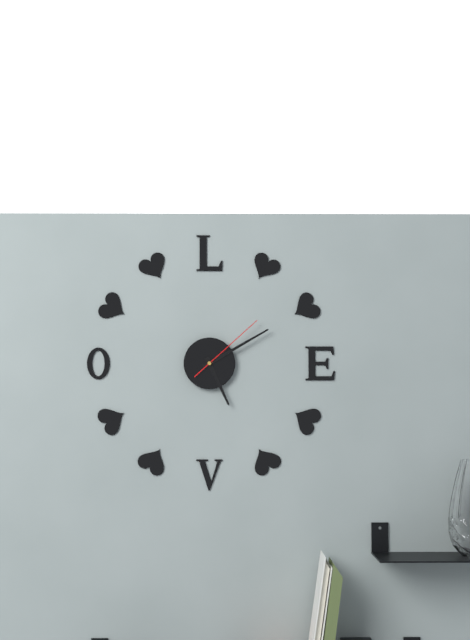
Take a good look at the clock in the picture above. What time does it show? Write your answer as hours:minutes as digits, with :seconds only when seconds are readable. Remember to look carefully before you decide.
5:10:08
